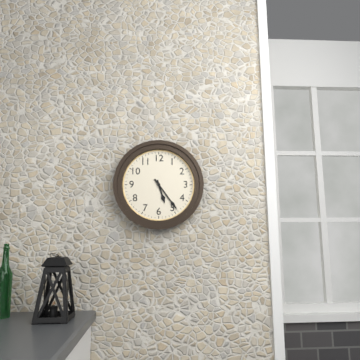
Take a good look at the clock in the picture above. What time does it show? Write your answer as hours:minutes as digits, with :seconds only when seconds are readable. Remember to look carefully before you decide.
5:24
